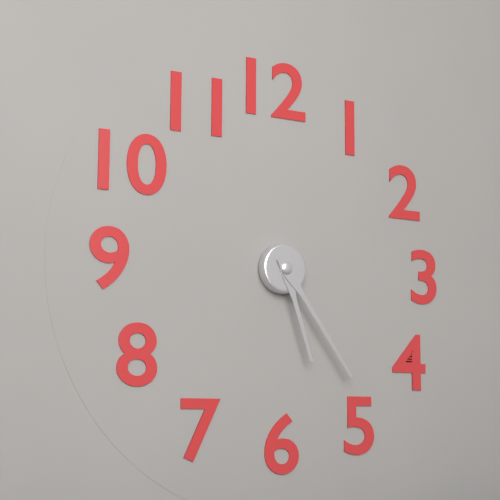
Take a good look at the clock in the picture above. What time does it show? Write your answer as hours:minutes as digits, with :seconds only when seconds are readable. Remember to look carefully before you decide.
5:24
